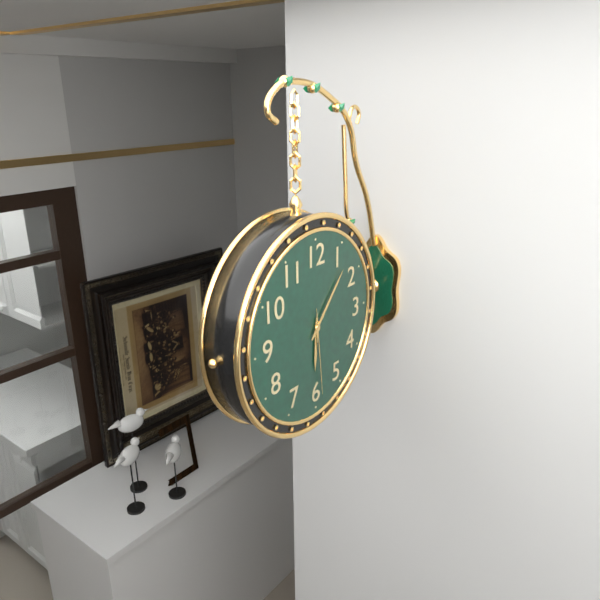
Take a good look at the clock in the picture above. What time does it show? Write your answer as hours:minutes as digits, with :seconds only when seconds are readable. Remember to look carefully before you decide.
6:07:29
